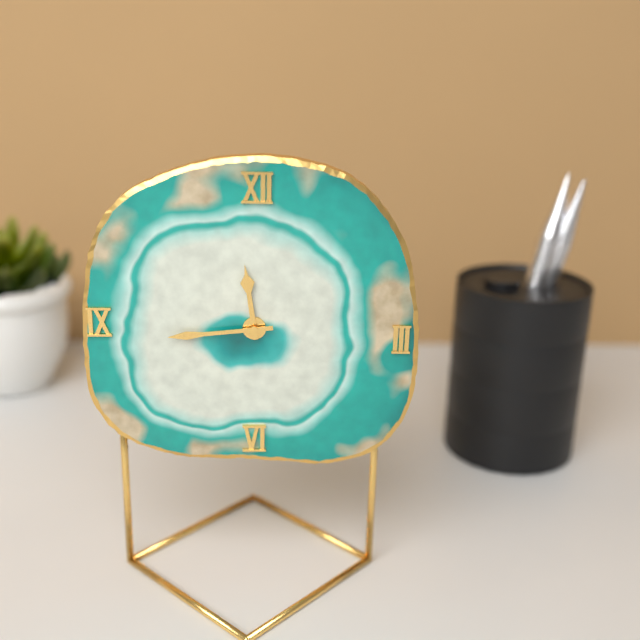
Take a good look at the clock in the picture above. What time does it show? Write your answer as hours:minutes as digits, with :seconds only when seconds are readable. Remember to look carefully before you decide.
11:44
